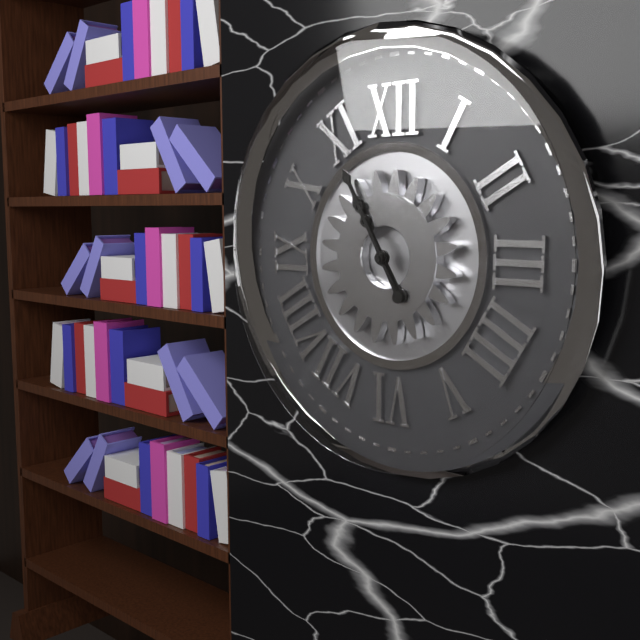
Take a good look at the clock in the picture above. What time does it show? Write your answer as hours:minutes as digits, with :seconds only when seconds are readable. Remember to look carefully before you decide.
10:55
